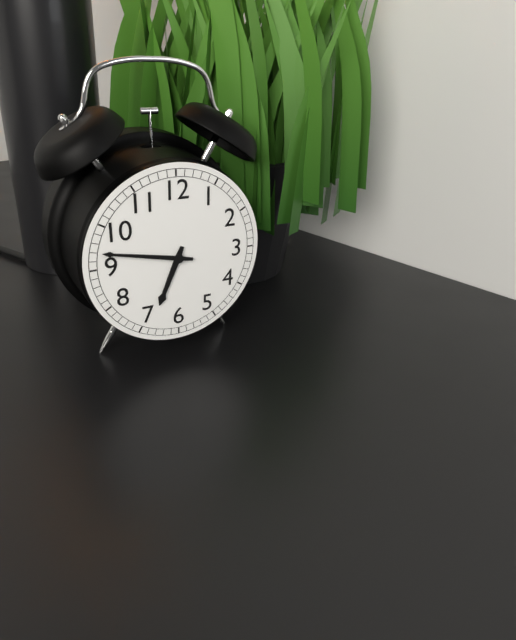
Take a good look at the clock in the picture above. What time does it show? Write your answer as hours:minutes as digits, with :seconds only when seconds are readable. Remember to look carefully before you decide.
6:47
